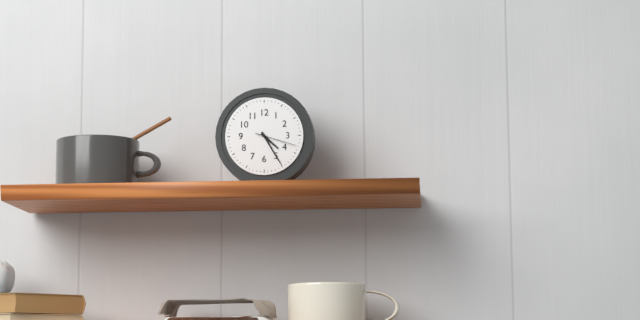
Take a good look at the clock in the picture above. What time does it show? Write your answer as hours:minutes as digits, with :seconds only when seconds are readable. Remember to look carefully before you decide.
4:25
